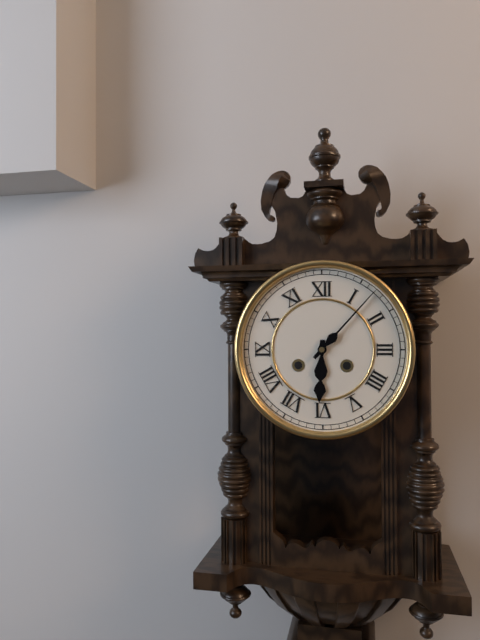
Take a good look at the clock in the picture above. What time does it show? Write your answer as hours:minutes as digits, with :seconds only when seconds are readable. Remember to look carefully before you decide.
6:07
